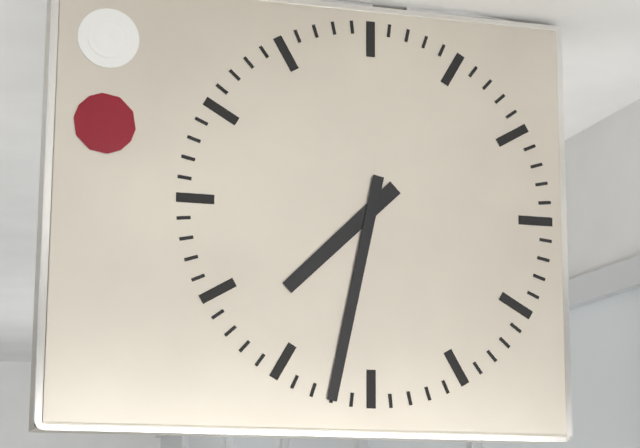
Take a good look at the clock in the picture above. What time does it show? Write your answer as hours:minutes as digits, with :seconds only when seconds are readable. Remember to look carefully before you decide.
7:32
